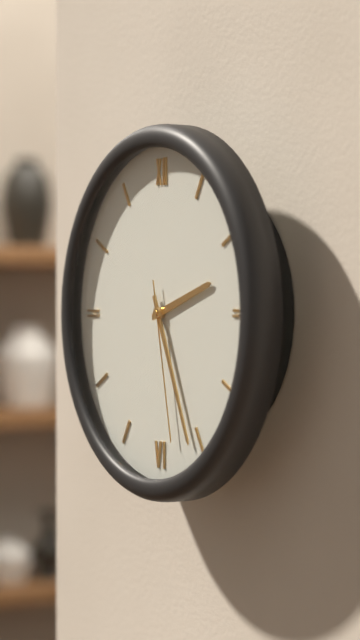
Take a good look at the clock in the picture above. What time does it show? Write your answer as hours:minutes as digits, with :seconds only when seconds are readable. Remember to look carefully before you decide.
2:26:28
